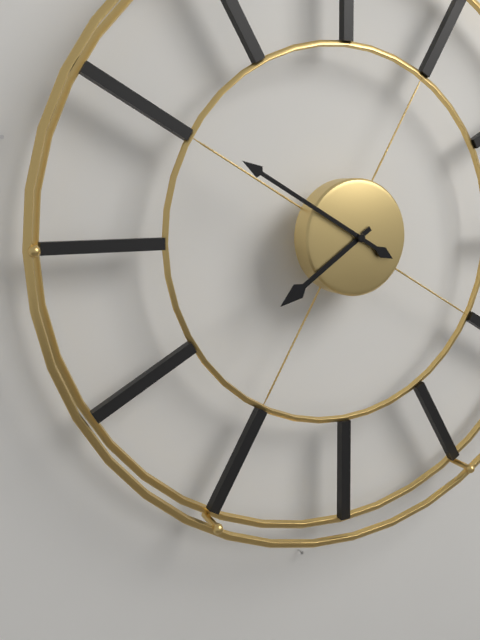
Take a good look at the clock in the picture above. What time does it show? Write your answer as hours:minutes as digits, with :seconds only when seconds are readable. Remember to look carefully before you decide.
7:50
